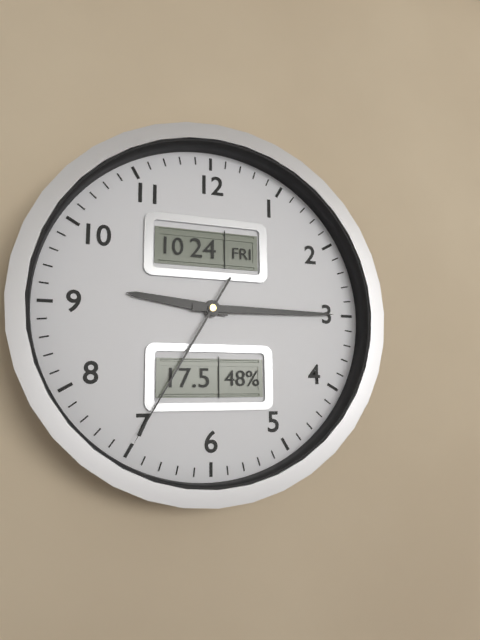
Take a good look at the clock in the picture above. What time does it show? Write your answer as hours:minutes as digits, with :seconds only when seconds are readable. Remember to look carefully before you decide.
9:15:35
